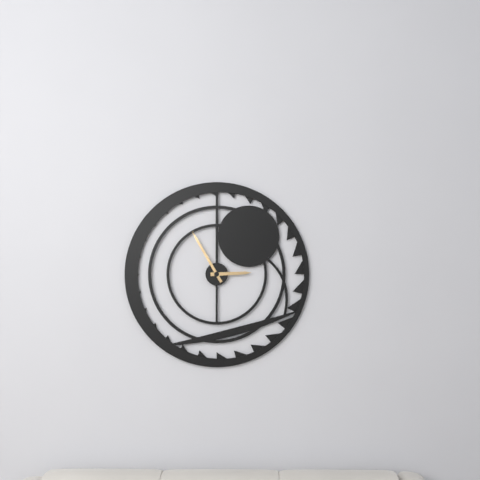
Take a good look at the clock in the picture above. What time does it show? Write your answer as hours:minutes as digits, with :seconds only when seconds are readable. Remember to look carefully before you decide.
2:55
